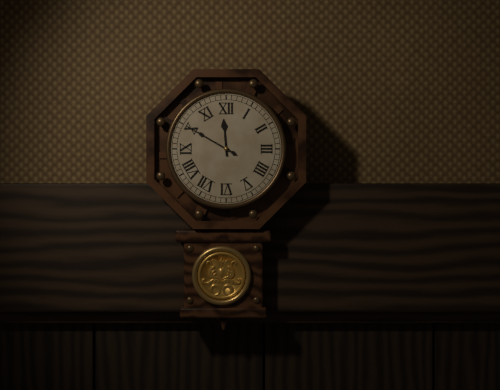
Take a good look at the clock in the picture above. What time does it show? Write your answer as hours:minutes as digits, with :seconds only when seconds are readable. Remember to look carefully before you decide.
11:50
